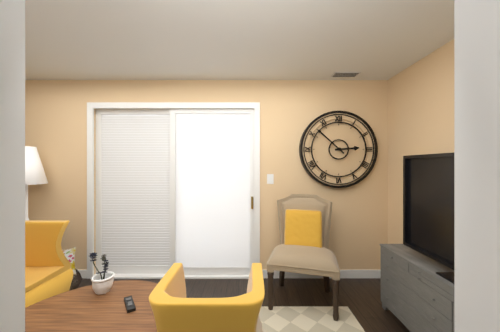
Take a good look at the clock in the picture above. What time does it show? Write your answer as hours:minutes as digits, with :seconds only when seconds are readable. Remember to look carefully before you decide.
2:52
